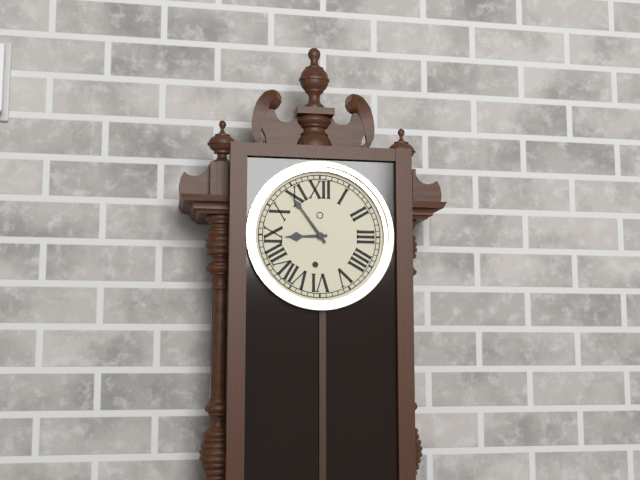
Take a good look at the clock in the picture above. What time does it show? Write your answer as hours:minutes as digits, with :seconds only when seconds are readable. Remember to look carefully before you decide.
8:54
